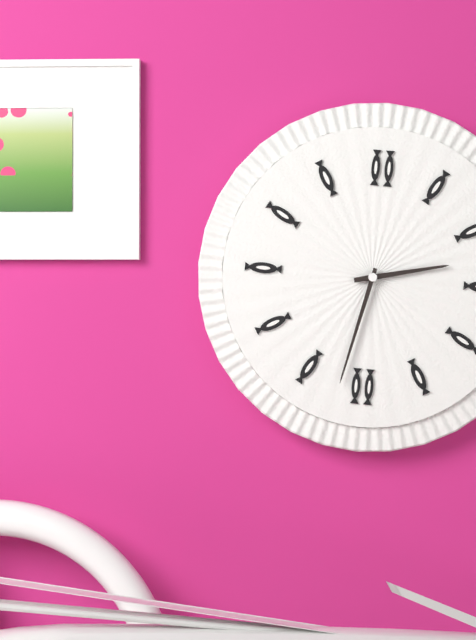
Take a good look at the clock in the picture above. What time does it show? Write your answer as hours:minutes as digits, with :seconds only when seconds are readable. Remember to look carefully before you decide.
2:32
